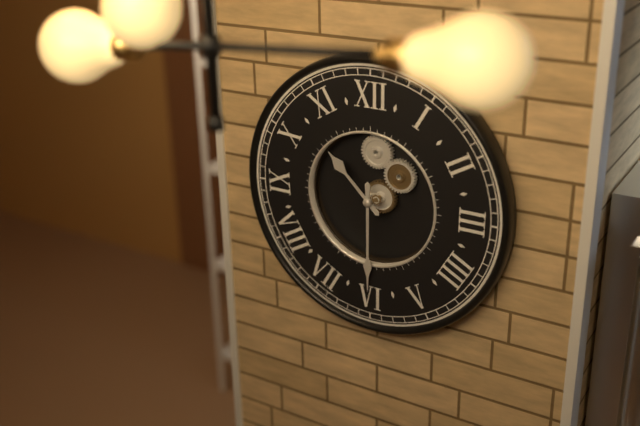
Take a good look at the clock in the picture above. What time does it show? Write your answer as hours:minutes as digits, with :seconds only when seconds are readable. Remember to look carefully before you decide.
10:30
